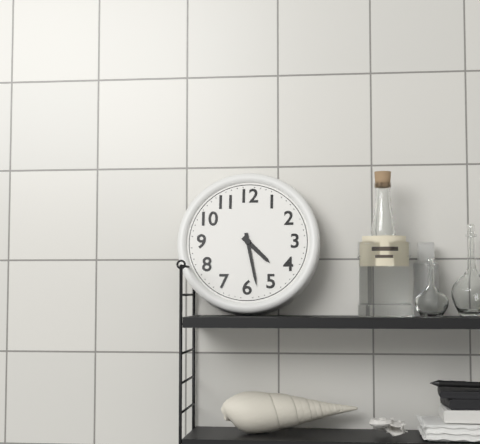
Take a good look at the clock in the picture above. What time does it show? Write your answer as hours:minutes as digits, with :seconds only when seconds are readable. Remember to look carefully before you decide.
4:28
